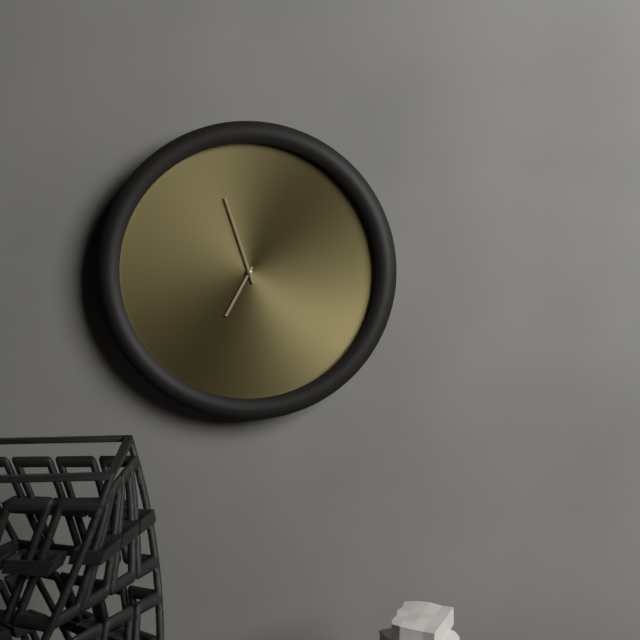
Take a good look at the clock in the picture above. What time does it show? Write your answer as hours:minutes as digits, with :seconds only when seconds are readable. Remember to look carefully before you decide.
6:57
